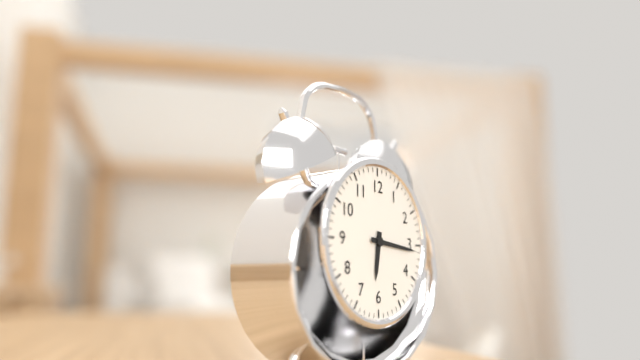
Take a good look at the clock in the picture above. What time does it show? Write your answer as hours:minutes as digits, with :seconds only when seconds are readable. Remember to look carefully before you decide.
6:16
